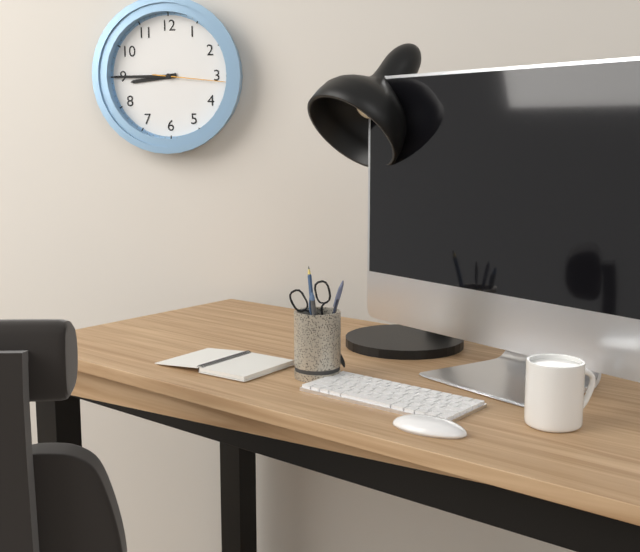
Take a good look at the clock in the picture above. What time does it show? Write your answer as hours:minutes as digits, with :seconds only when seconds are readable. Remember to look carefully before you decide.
8:45:16
